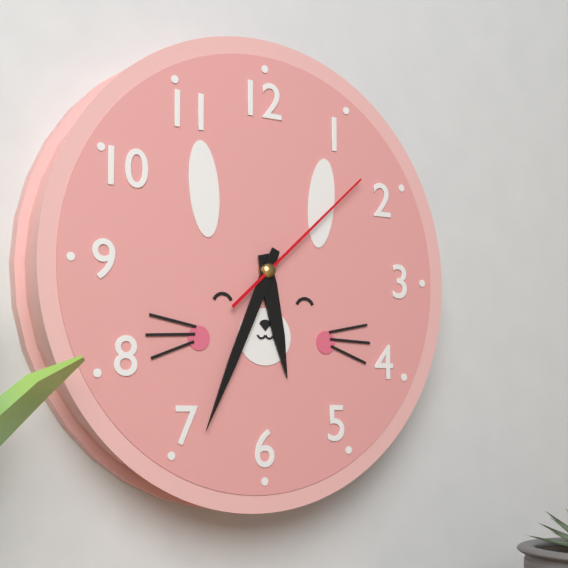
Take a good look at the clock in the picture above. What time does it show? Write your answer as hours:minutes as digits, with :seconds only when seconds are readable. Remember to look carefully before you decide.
5:34:08
